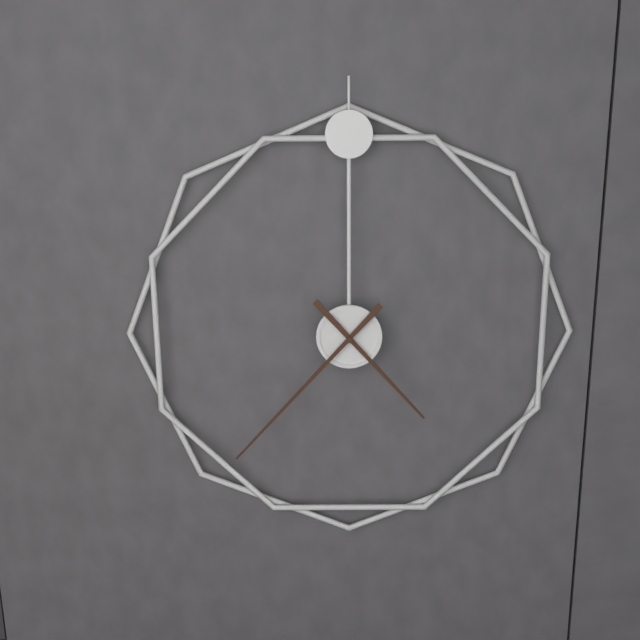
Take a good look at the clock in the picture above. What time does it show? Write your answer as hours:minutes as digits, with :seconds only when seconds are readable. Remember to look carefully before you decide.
4:37
